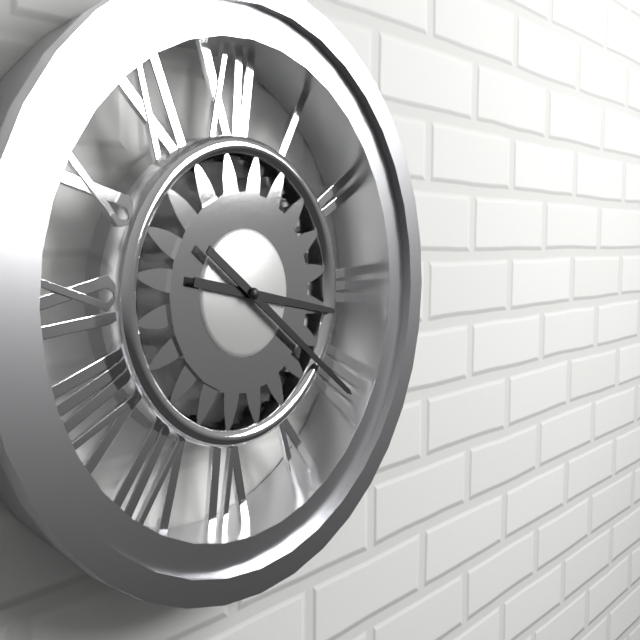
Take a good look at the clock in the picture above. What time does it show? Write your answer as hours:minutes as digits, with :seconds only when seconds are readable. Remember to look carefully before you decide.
3:21
